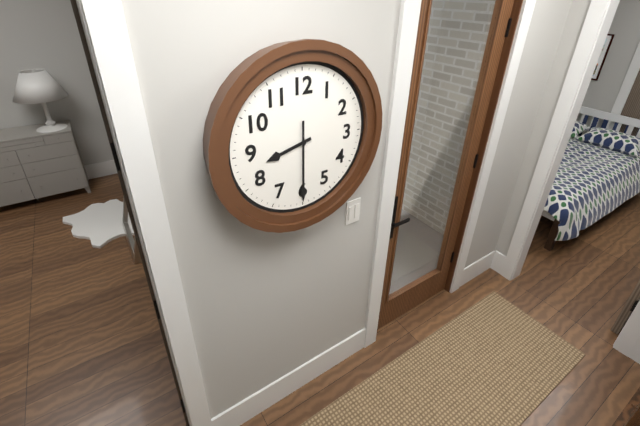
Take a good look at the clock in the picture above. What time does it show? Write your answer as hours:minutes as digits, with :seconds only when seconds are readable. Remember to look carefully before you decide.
8:30
